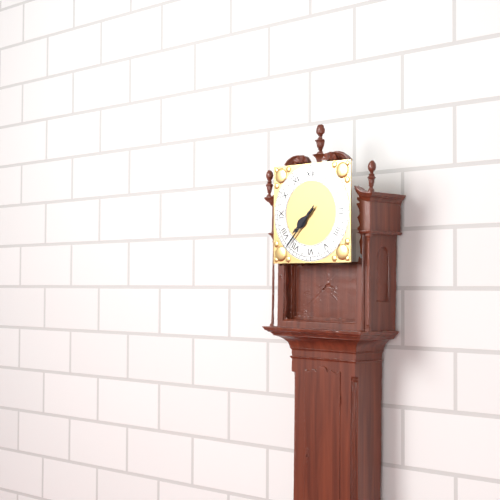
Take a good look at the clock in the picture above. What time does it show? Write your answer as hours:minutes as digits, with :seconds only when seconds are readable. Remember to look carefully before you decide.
7:37
